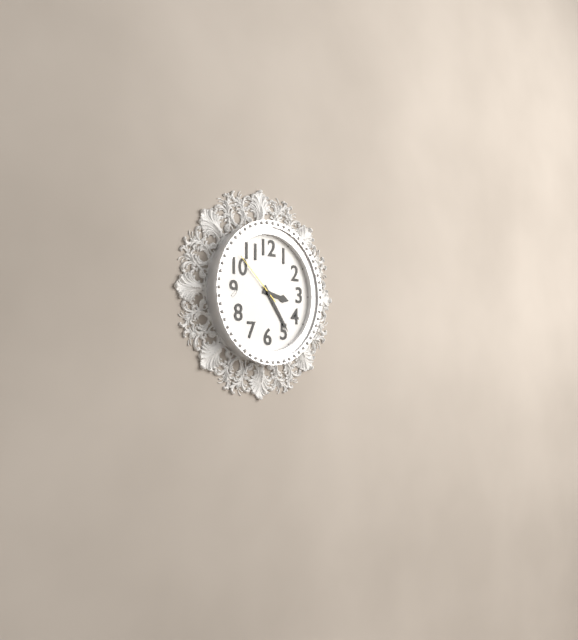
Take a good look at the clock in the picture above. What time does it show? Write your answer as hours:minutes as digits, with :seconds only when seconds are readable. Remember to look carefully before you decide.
3:24:52
